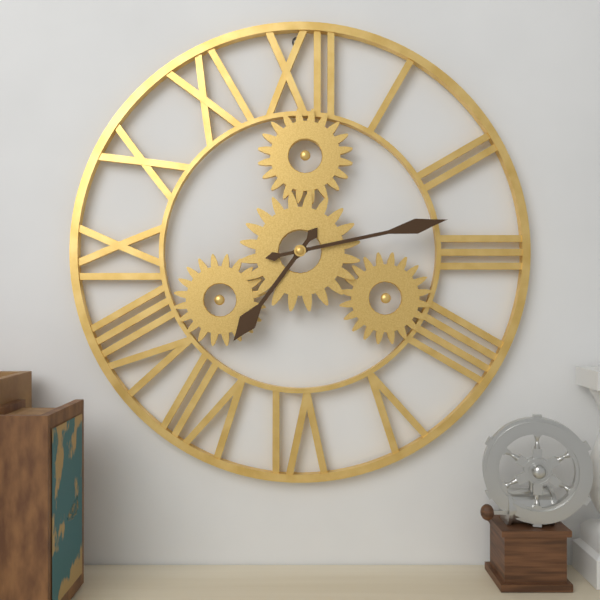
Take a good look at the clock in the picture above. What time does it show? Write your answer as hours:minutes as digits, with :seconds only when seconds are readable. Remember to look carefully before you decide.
7:13
